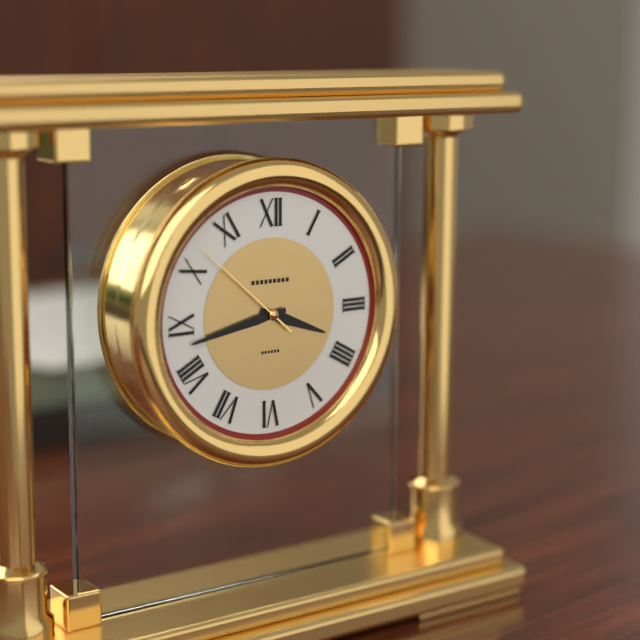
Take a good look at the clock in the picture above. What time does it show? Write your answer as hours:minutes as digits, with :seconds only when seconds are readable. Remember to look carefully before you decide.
3:43:52
